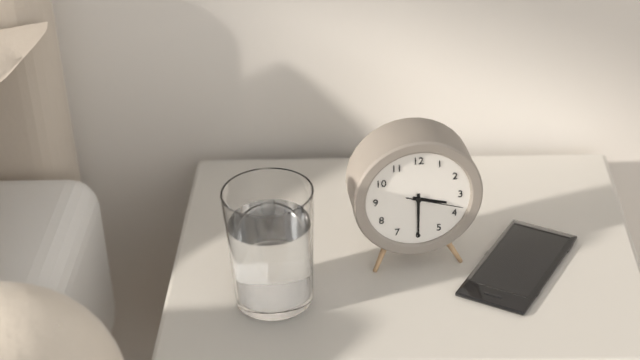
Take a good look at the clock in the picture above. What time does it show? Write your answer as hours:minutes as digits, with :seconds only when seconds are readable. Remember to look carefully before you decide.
3:30:18
